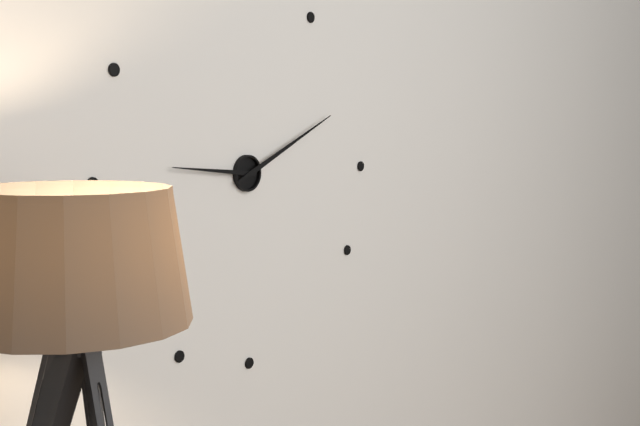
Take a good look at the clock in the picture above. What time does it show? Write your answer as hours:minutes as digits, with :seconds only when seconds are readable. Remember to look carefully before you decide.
9:11
